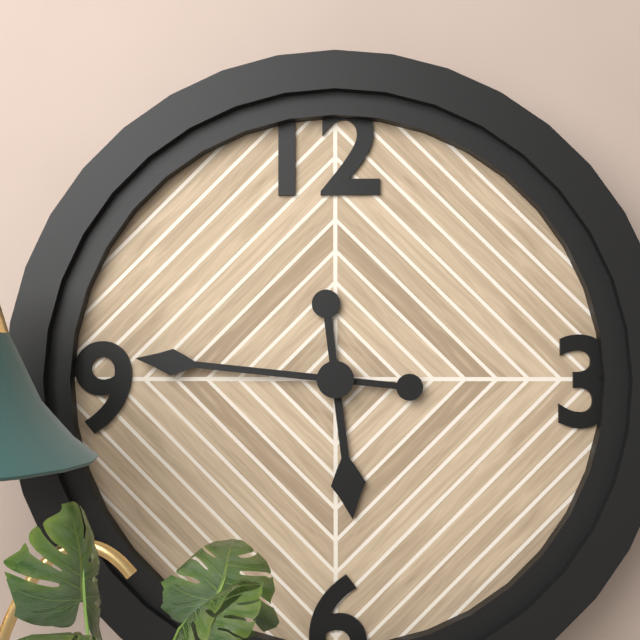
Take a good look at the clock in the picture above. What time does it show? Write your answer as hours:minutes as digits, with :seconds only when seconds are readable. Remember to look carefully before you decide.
5:46
